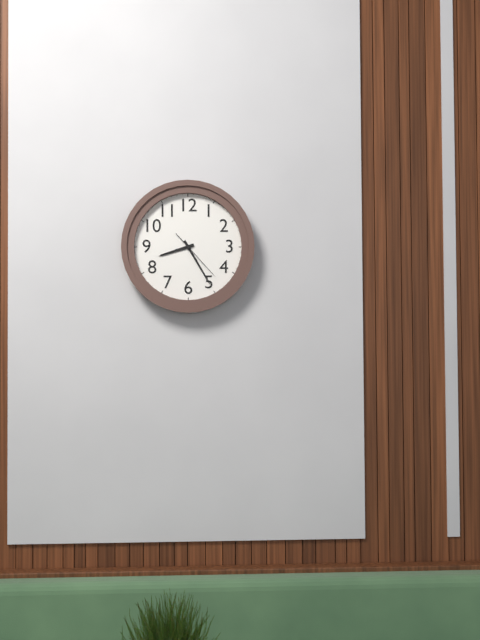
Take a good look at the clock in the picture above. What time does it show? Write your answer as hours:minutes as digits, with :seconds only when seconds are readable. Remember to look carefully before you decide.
8:25:23
